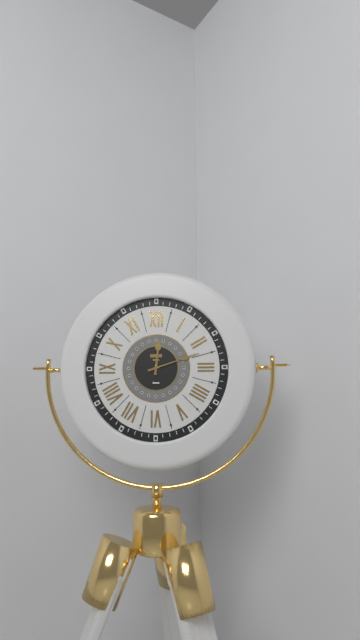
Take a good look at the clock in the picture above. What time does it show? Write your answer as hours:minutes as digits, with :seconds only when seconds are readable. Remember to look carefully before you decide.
12:12
